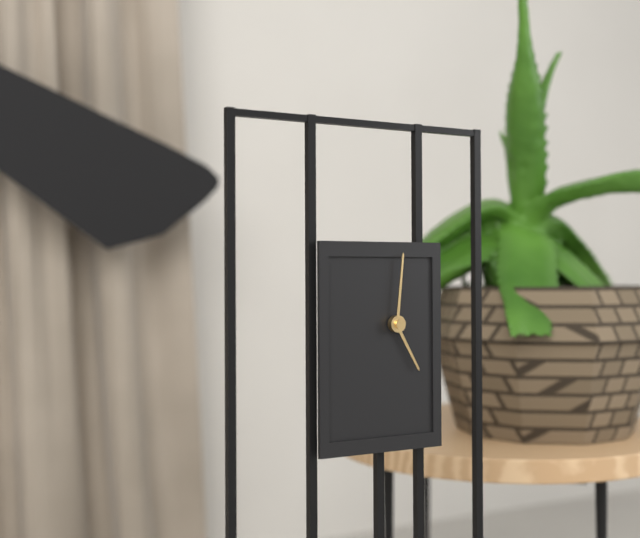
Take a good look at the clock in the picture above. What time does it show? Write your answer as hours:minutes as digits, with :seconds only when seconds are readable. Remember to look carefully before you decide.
5:01
